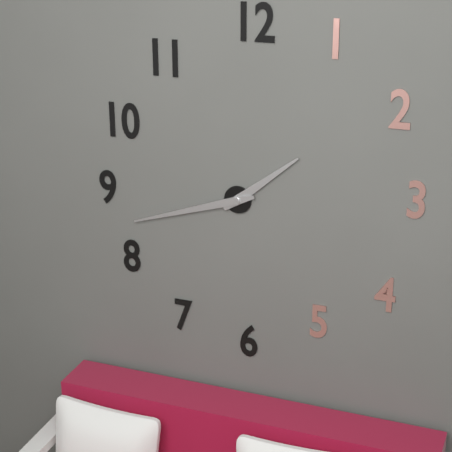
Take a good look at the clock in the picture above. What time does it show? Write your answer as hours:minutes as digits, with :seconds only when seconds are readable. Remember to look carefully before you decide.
1:42
